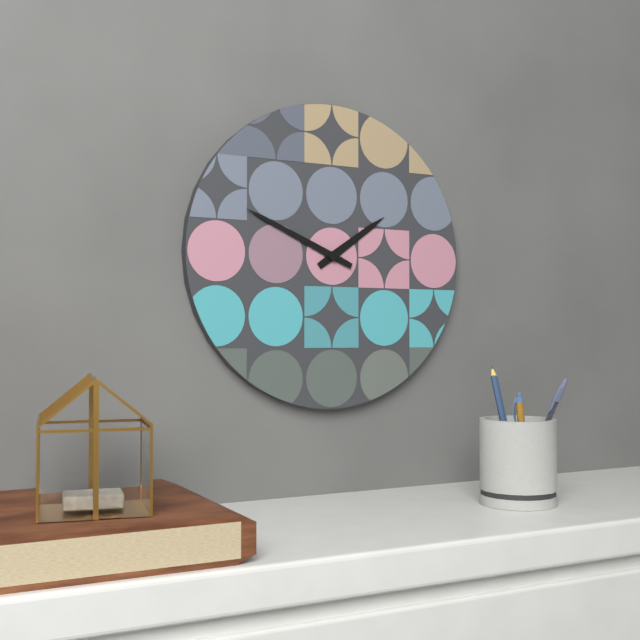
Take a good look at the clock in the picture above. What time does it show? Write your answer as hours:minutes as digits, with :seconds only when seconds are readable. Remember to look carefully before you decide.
1:49
